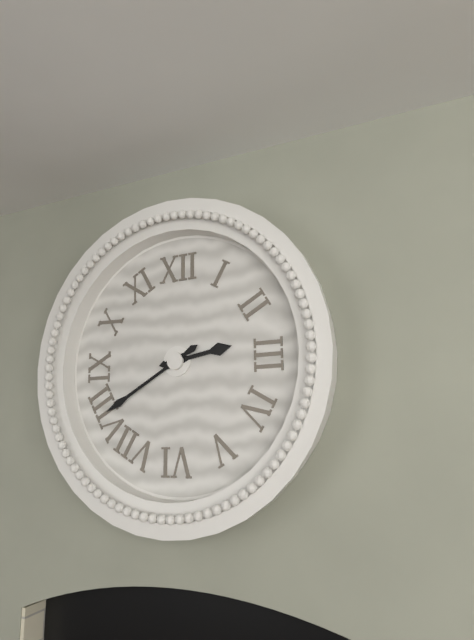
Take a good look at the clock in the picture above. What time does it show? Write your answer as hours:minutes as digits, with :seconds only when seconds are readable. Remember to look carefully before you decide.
2:40
